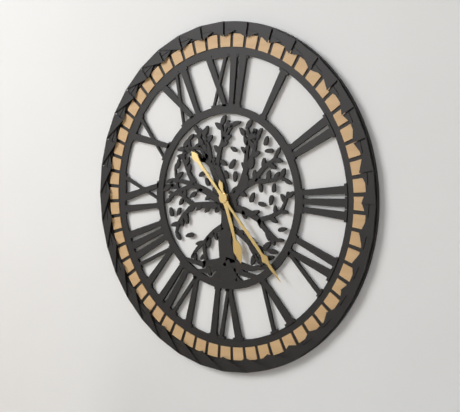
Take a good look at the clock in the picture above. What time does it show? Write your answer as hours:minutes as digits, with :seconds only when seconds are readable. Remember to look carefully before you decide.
5:23
